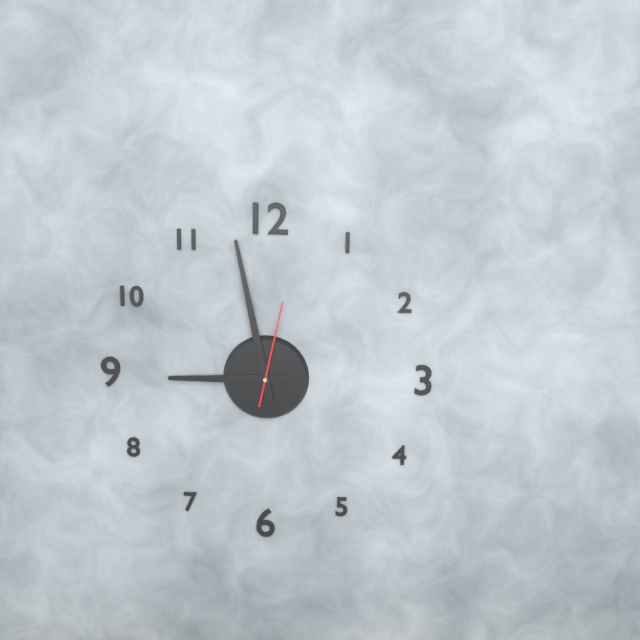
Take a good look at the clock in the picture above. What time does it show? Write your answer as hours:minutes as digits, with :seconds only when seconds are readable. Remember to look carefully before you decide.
8:58:02
